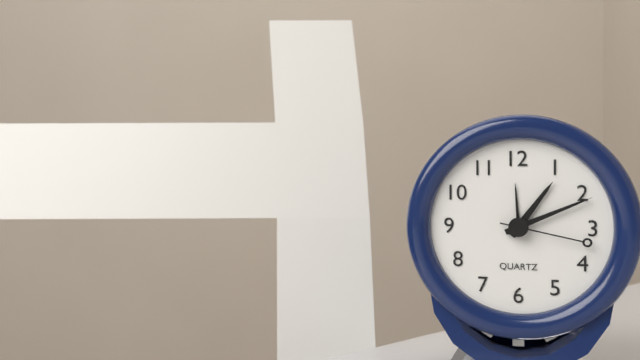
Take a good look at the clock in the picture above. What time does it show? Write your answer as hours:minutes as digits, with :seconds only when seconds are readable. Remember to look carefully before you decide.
1:11:17
